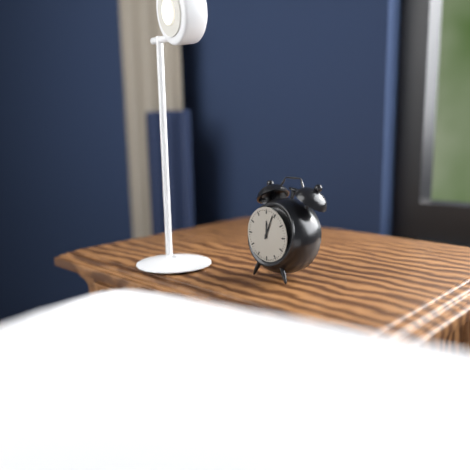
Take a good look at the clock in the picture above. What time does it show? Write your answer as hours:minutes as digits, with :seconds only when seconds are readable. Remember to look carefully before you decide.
12:04
